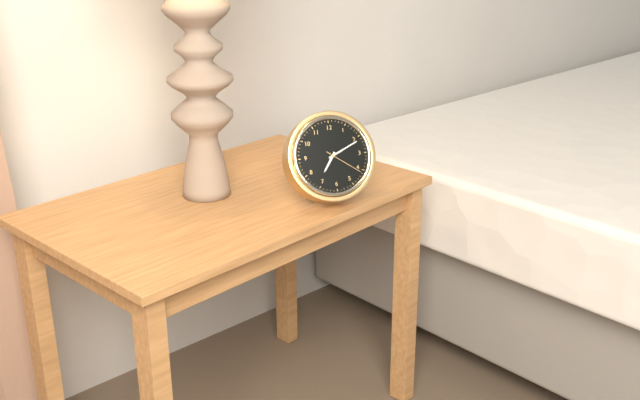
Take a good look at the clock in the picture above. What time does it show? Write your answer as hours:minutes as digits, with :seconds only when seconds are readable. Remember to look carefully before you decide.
7:11
